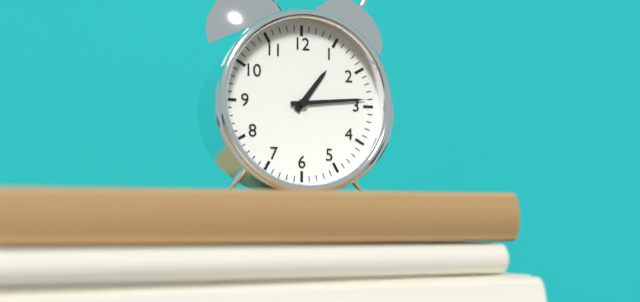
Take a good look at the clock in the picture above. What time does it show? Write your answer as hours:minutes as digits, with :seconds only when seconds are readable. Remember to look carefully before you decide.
1:14
